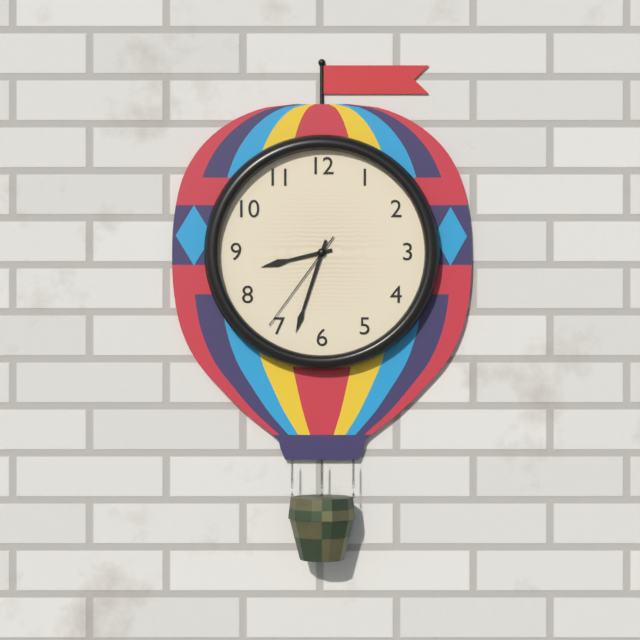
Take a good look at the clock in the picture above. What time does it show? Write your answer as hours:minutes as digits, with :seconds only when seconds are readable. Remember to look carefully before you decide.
8:33:36
